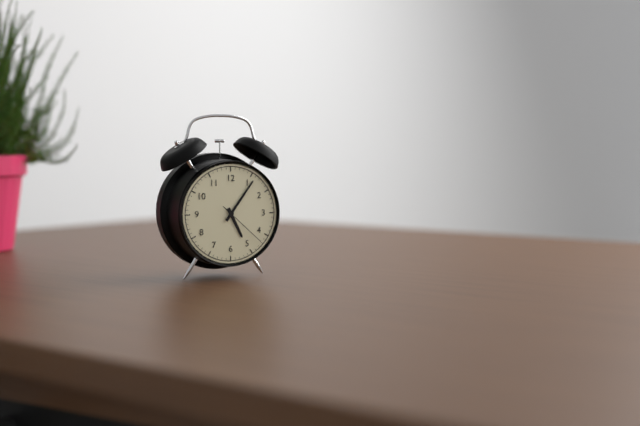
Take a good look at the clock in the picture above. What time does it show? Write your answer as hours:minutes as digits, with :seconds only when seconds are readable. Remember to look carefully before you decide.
5:06:22
